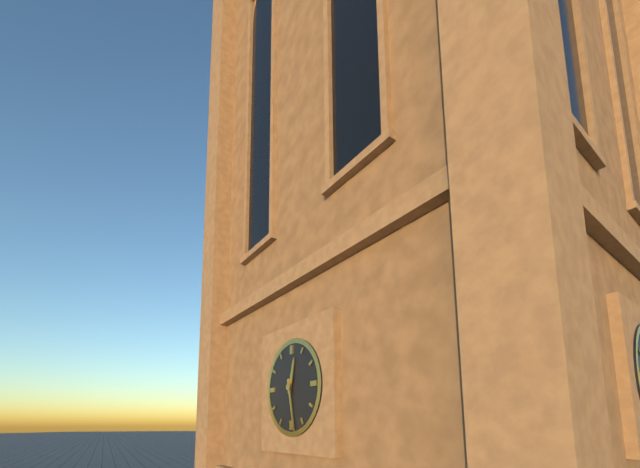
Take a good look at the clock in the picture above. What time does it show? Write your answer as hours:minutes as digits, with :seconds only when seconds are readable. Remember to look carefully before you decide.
12:28
